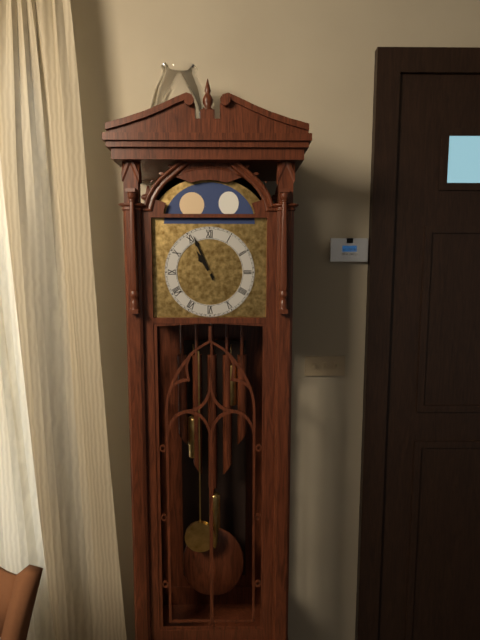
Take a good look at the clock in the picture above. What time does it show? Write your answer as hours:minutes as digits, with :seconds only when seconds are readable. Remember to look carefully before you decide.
10:56
